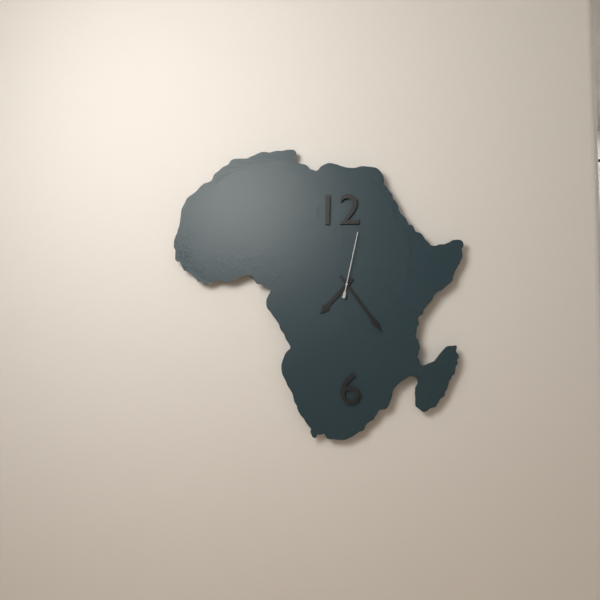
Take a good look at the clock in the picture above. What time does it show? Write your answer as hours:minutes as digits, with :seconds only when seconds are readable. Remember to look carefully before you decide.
7:24:02
